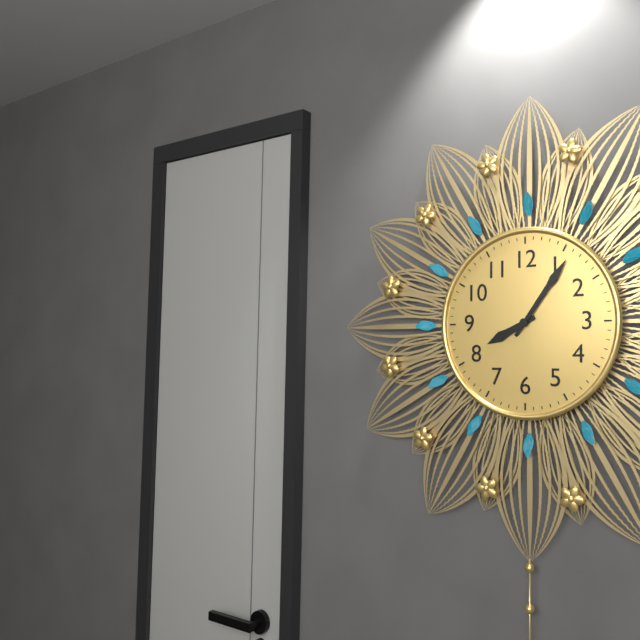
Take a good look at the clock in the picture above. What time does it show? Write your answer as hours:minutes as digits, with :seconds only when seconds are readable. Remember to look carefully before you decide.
8:06
